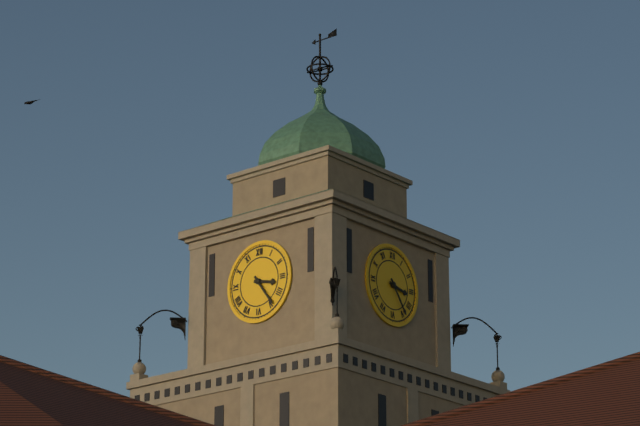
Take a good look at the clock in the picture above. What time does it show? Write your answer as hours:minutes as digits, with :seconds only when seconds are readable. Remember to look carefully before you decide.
3:24
